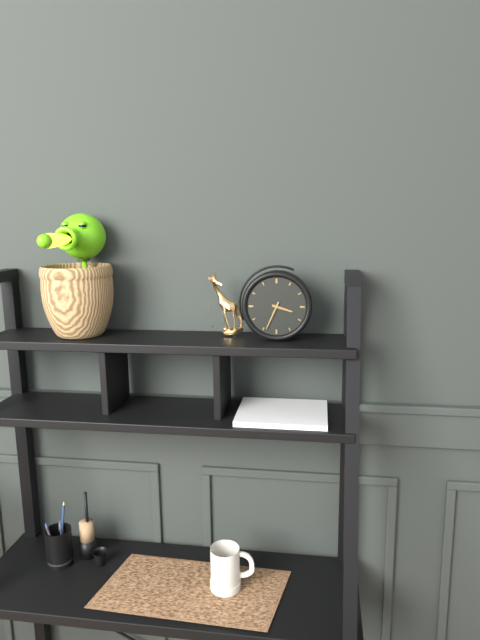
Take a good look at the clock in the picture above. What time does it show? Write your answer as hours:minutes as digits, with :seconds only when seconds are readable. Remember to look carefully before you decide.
3:34
